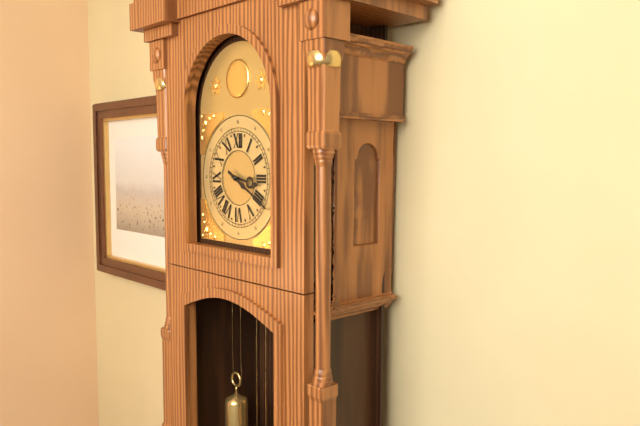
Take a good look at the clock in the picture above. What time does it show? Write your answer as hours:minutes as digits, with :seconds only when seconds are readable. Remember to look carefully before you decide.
3:20
